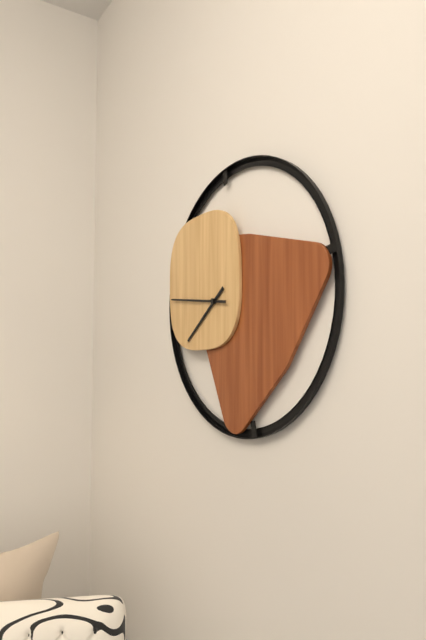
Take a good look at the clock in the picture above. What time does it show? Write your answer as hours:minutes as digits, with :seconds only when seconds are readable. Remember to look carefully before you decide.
7:46
